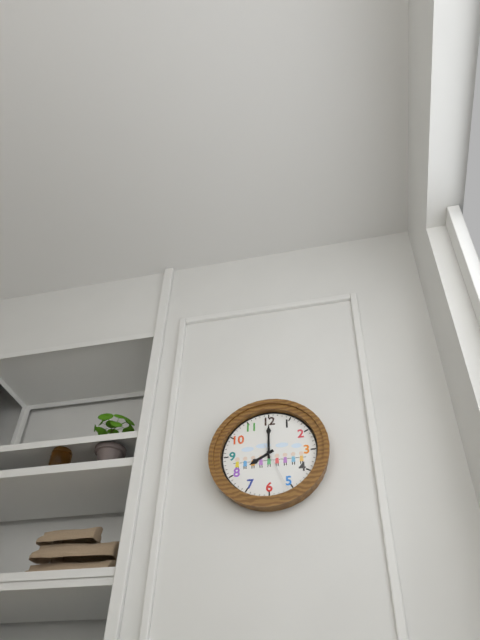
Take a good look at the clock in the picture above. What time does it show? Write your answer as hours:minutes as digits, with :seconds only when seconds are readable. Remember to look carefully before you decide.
8:00:26
